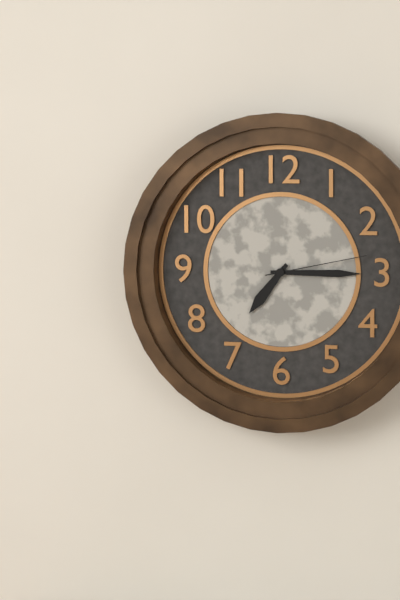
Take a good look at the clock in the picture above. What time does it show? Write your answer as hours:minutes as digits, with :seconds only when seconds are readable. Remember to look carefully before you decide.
7:15:13
